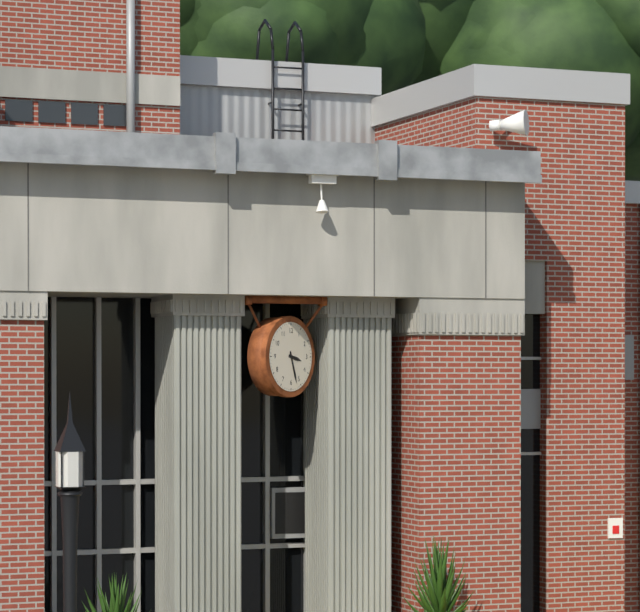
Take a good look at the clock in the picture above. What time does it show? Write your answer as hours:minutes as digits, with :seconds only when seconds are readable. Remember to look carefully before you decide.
3:27
